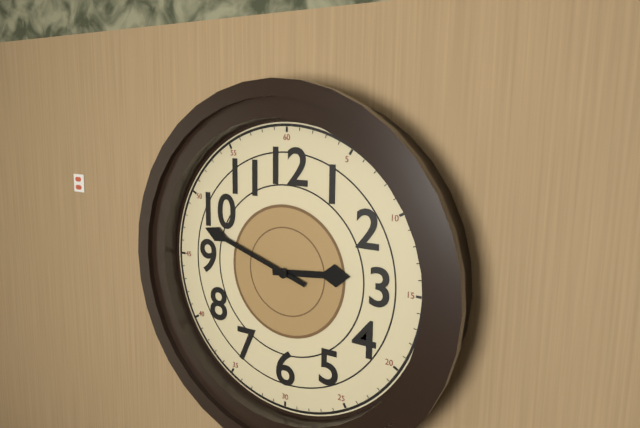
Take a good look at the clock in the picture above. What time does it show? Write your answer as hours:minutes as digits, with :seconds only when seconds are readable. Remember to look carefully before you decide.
2:48
